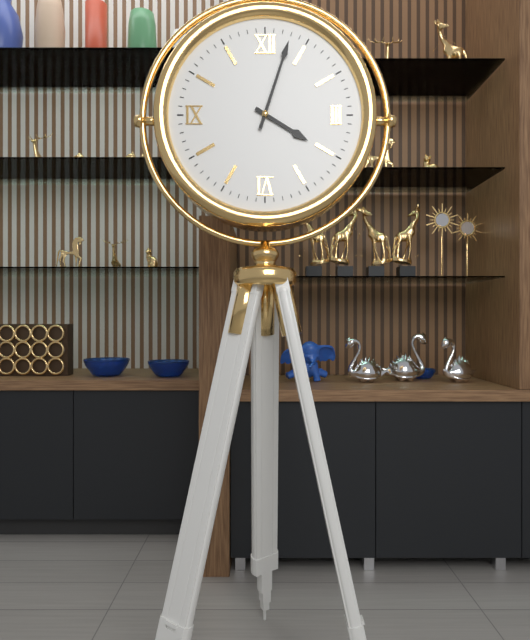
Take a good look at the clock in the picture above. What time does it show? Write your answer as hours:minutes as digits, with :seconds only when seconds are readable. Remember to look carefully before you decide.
4:03
